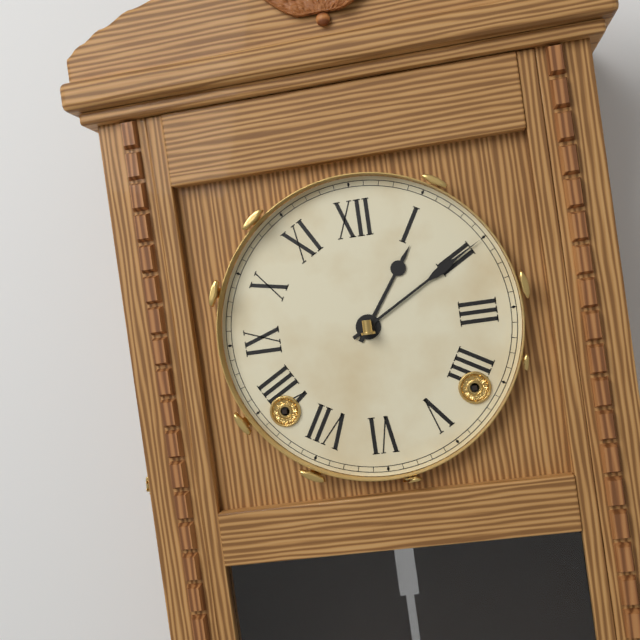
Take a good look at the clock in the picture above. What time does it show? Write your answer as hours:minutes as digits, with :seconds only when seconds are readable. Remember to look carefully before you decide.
1:10
